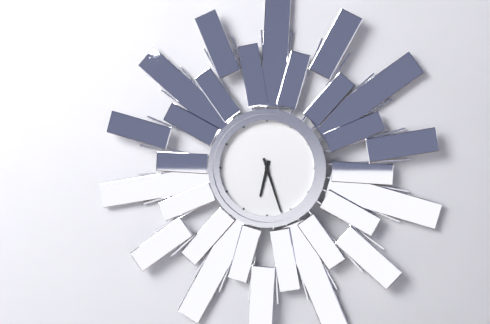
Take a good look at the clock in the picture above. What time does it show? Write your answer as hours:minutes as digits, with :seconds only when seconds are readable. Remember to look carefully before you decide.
6:27
